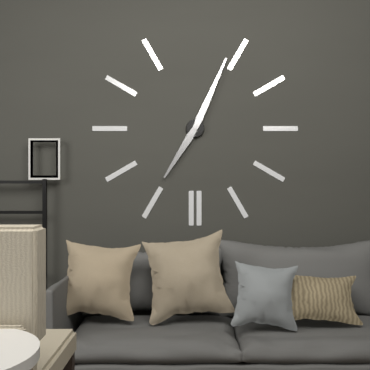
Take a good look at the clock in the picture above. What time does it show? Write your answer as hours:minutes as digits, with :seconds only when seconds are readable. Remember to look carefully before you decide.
7:04
